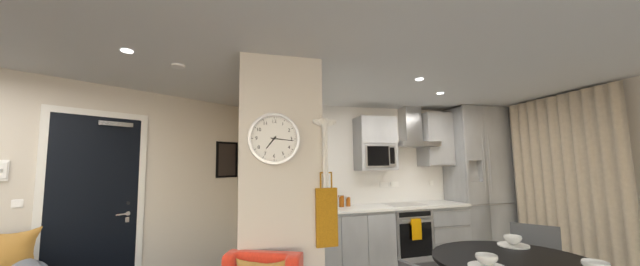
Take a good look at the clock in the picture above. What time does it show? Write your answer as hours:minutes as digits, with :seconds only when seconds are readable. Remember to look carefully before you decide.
7:16
